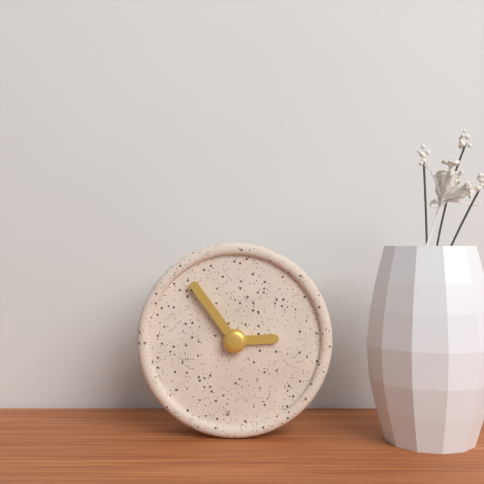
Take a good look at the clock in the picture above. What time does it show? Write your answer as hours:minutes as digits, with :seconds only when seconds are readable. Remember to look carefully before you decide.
2:54
